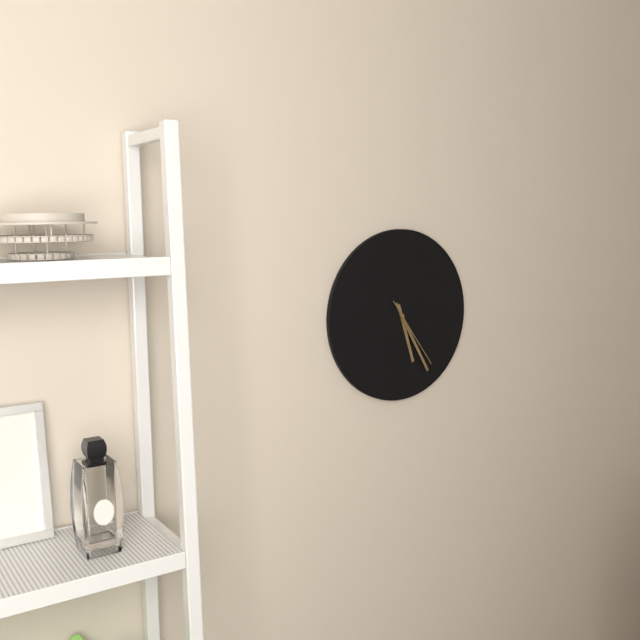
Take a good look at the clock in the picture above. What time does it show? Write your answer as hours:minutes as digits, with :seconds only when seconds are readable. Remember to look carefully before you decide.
5:25:24
